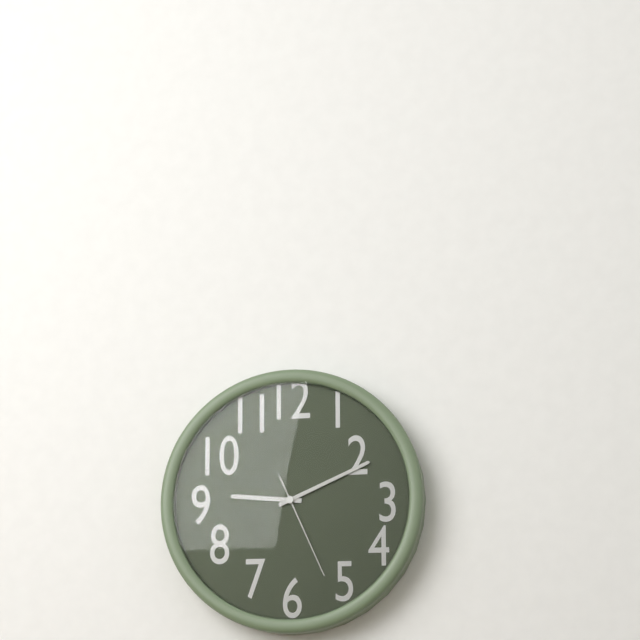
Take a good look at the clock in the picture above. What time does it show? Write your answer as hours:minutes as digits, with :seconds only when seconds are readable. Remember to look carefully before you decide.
9:11:26
